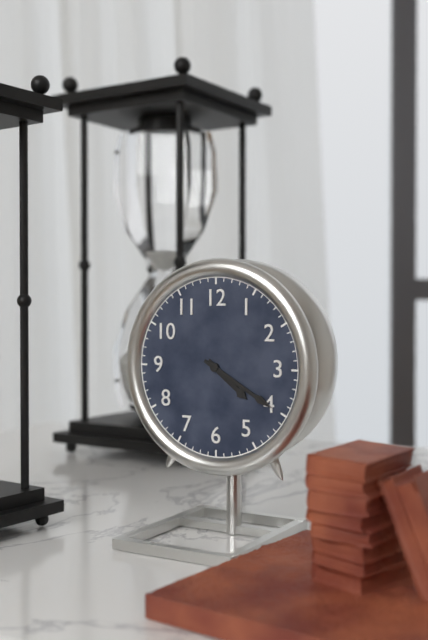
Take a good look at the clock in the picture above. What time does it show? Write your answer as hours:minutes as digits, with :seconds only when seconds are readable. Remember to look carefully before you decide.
4:20
